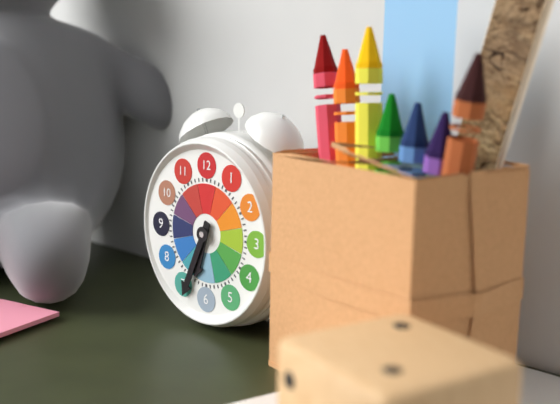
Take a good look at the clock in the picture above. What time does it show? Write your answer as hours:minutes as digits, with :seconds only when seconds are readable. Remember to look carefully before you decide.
6:34
